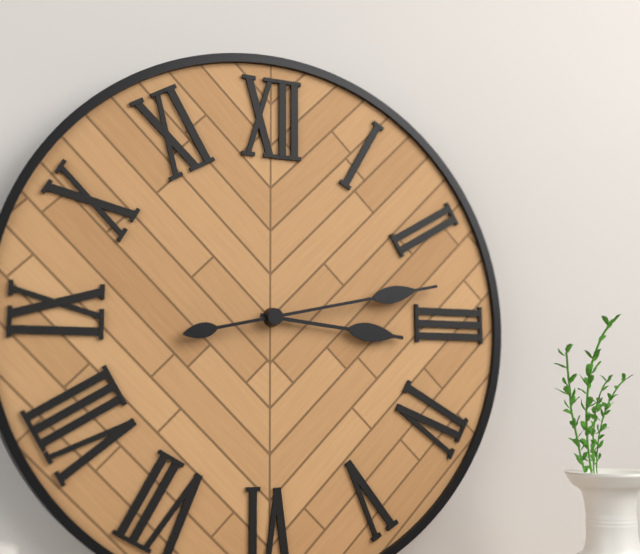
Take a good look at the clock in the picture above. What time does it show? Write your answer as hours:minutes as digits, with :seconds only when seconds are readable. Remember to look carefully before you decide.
3:13
